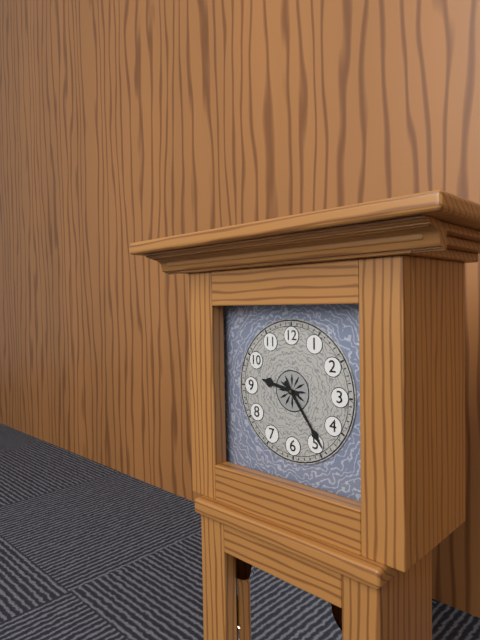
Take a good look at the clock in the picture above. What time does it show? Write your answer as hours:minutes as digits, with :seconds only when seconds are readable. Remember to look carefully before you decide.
9:24
